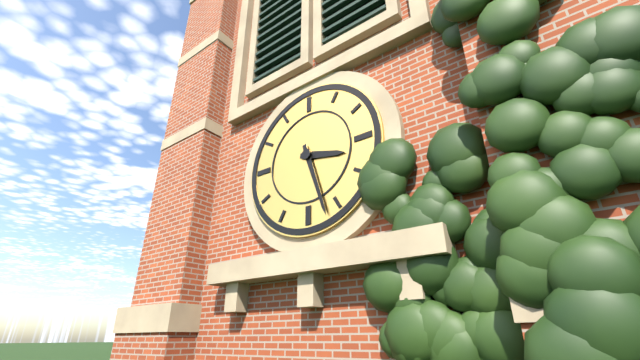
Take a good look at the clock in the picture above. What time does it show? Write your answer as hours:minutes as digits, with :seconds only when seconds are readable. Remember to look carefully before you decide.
3:27
